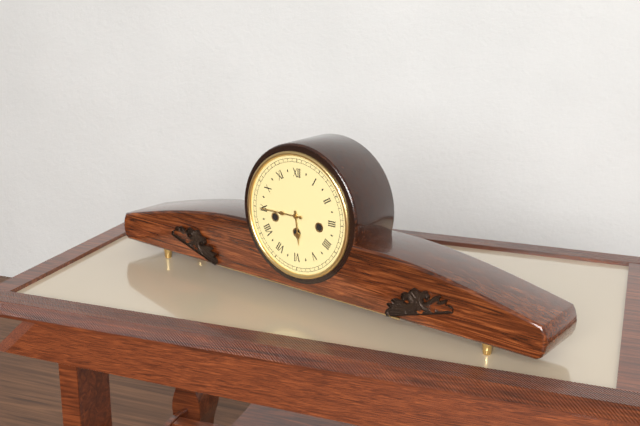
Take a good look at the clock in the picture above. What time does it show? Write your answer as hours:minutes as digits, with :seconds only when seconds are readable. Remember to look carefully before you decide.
5:45
